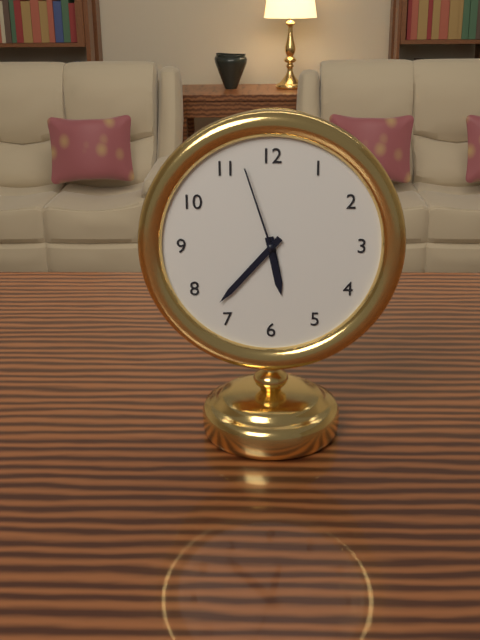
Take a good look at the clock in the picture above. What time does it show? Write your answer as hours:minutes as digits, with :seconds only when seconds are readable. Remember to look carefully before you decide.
5:37:57
